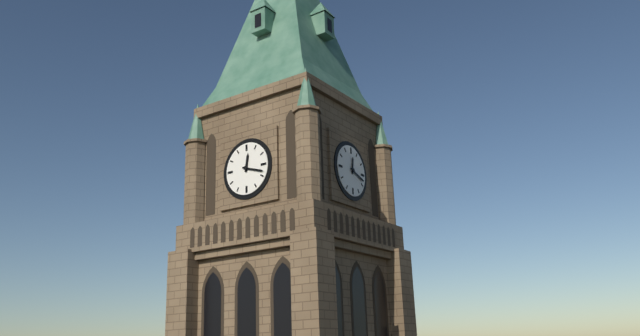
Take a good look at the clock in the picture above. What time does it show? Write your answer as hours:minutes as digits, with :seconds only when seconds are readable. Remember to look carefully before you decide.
12:18
